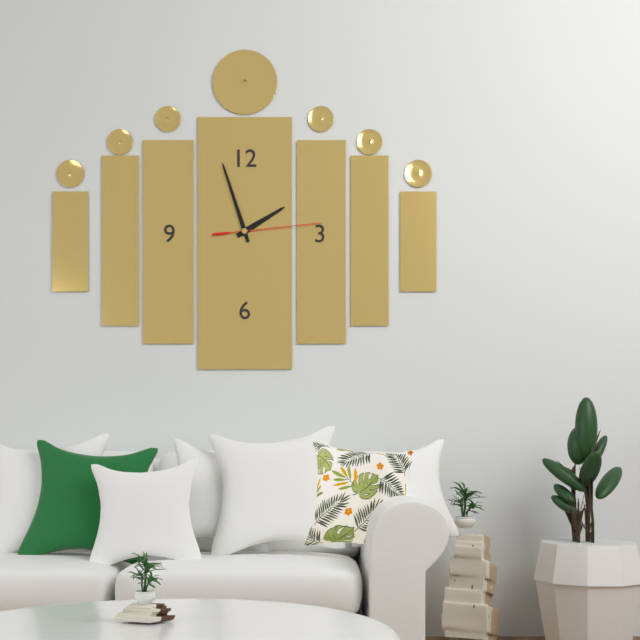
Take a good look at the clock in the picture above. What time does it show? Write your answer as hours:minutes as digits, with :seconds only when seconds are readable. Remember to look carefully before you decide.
1:57:14
